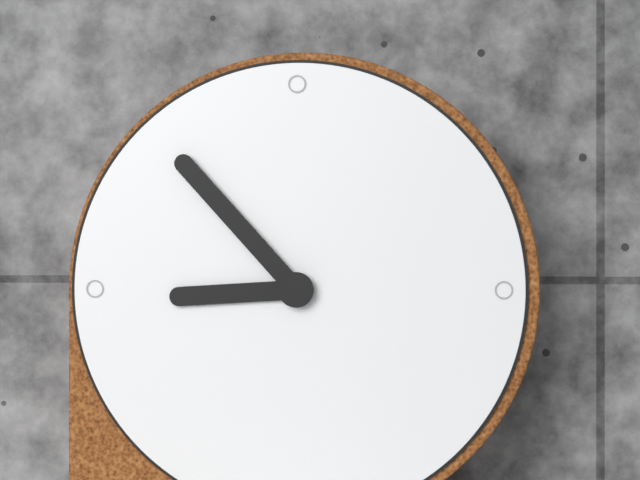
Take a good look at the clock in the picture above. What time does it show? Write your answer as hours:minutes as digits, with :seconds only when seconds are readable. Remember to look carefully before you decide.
8:53
